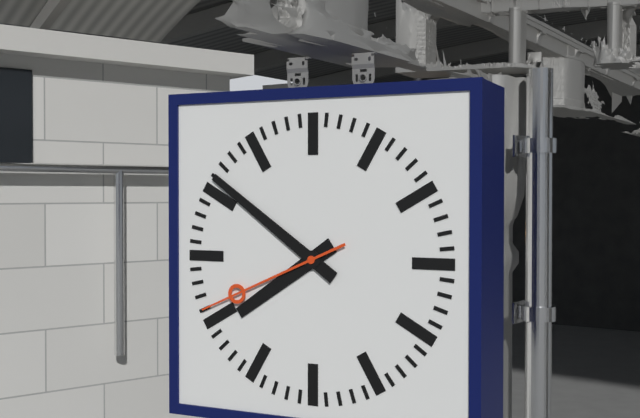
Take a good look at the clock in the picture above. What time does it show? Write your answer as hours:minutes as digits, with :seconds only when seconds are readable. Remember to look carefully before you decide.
7:51:41
